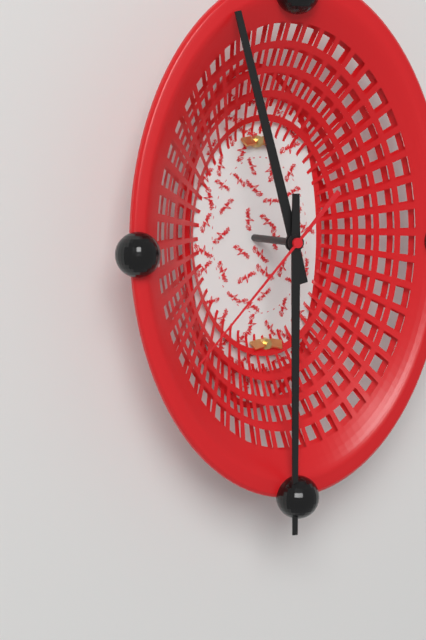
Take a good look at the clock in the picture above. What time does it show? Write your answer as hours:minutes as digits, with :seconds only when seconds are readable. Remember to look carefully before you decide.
11:30:37
